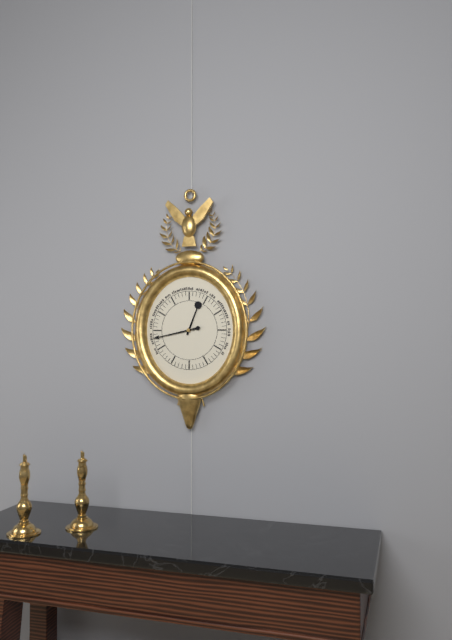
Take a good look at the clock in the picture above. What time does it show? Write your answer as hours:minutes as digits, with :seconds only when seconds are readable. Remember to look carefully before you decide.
12:43
